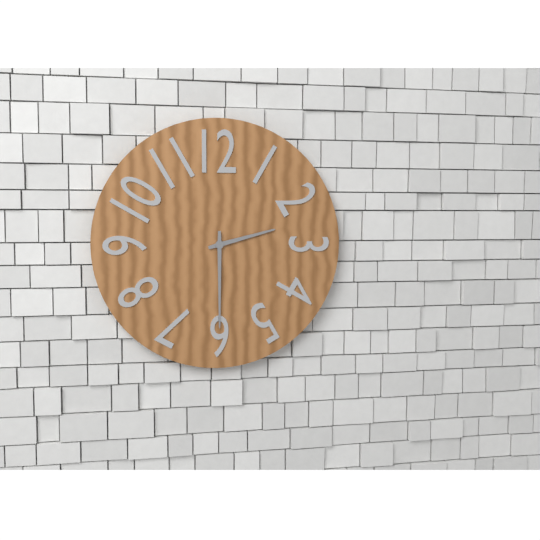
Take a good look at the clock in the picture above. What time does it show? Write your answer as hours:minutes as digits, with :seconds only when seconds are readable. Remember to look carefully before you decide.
2:30
